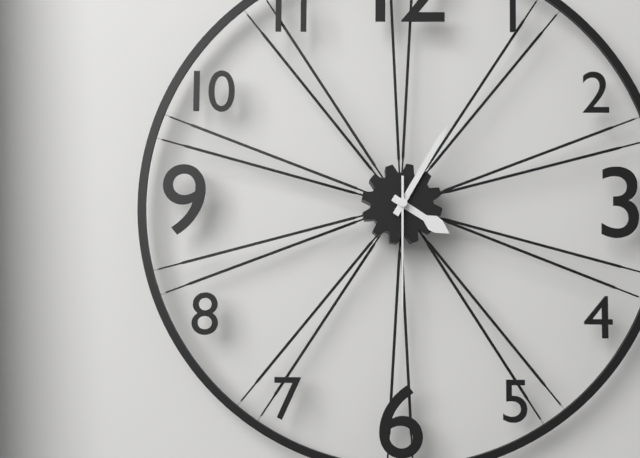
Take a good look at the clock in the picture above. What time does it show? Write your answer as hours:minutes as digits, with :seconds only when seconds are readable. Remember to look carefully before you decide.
4:05:30
